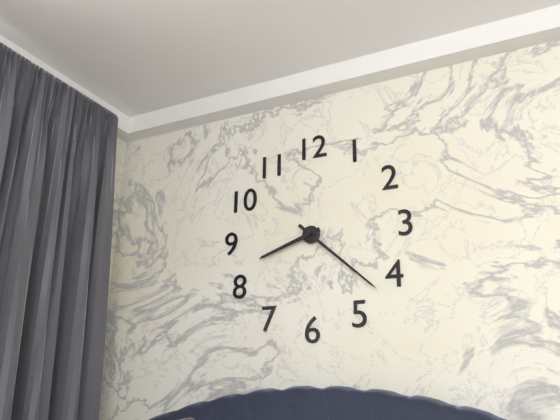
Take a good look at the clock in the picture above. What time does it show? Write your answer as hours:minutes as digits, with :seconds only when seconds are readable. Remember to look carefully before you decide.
8:22
